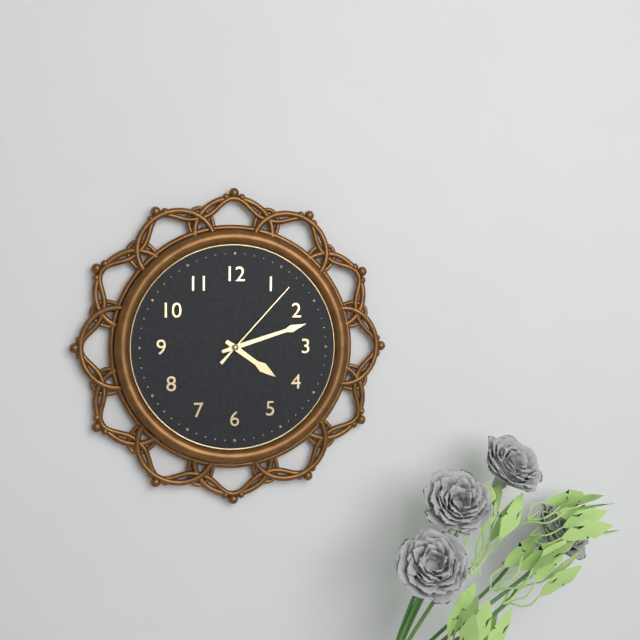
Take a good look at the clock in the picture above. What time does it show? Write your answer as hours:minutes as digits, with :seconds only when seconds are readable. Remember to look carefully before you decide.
4:12:07
